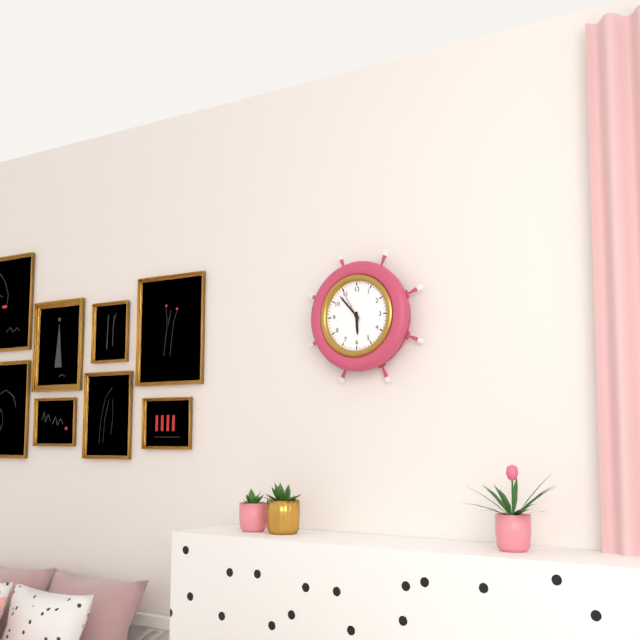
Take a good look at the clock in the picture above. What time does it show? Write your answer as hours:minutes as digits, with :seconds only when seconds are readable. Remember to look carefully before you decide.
5:53
